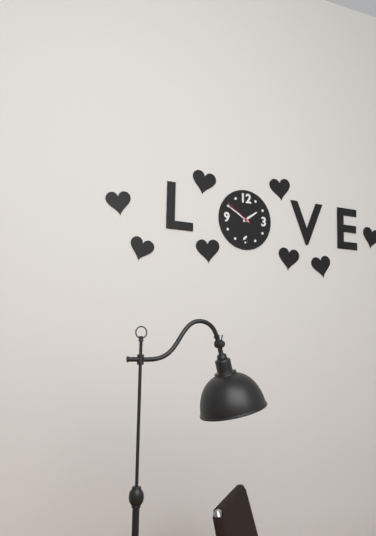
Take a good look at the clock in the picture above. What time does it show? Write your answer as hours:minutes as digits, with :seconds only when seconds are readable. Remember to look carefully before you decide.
1:50
